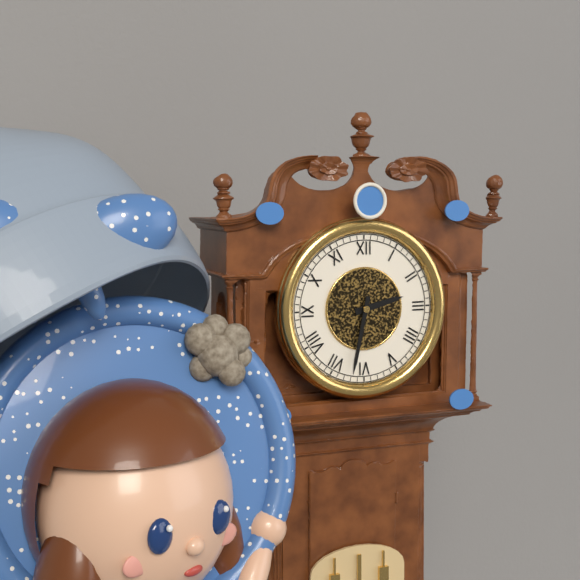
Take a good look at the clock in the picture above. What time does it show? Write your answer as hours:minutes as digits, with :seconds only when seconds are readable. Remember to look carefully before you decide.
2:32
